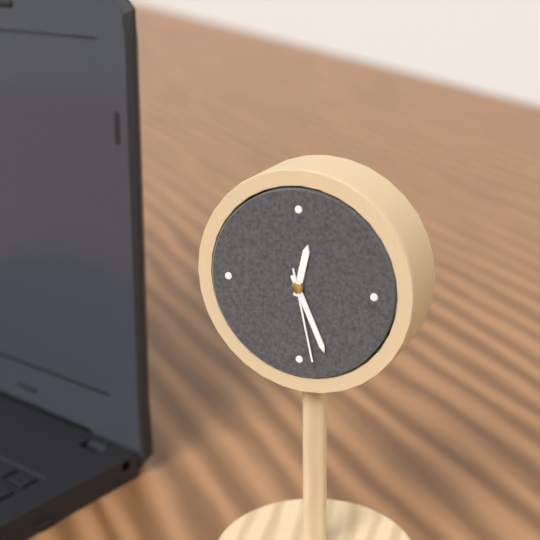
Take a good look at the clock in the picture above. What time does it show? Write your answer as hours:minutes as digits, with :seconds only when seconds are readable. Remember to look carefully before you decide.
12:26:28
